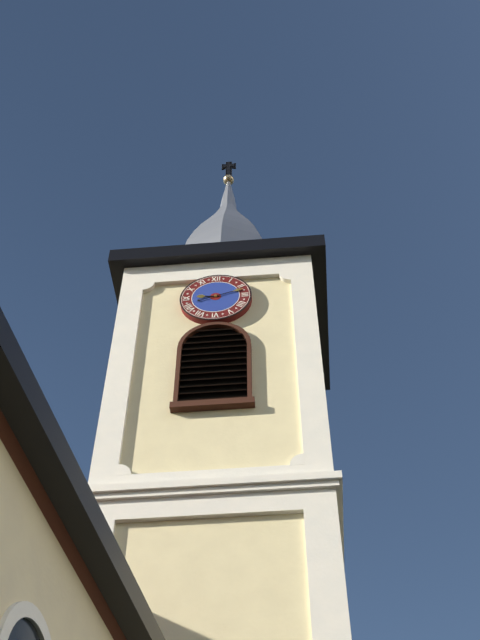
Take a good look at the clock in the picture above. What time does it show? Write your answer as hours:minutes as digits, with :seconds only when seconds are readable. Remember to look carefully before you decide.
9:12
